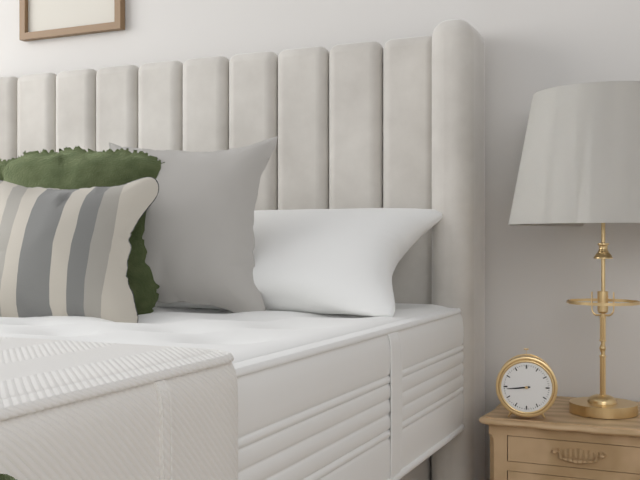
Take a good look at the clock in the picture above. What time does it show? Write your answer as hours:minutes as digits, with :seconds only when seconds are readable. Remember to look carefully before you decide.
8:44
